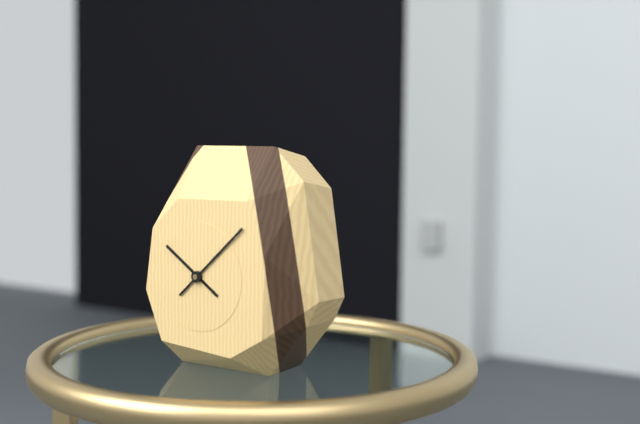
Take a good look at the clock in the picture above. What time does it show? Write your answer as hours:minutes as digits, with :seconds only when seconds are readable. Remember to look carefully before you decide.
10:08
